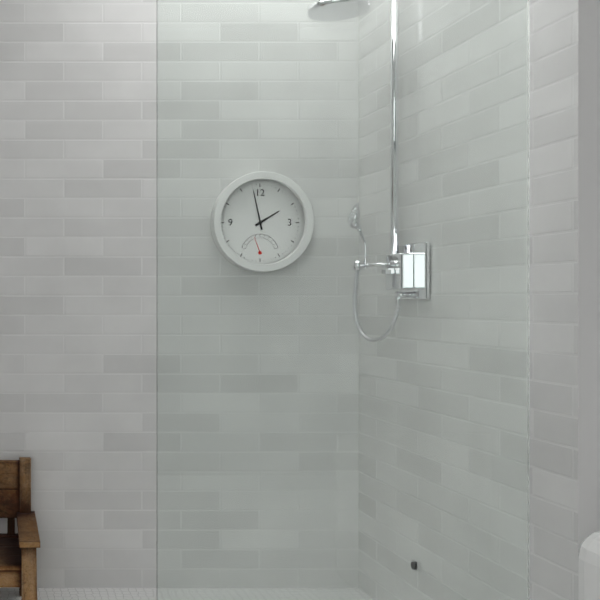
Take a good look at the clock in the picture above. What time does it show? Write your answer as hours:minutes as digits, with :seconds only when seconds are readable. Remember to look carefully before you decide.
1:58
